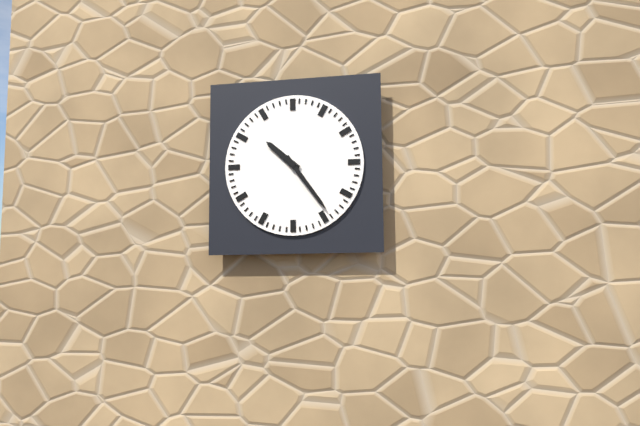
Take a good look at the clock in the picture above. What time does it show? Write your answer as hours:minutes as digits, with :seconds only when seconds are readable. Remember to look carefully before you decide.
10:24
